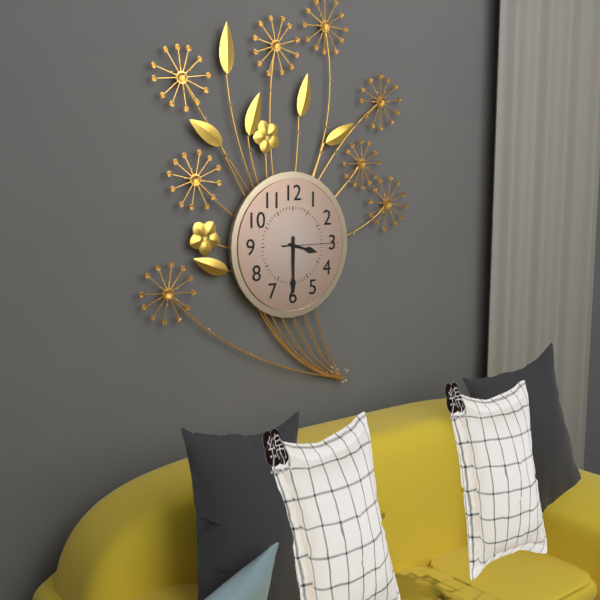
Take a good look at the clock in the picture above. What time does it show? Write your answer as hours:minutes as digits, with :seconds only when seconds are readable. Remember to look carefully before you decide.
3:30:15
